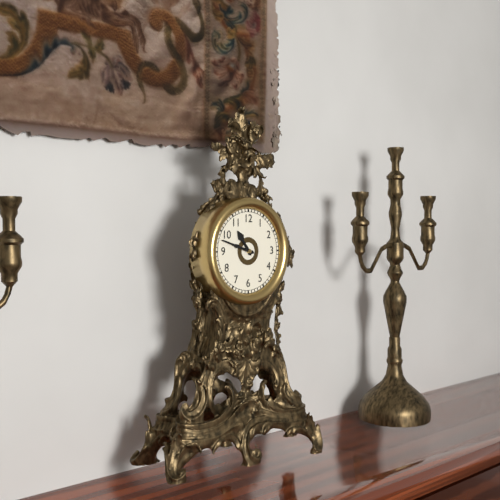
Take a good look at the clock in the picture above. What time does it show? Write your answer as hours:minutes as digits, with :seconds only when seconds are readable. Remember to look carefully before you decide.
10:48
